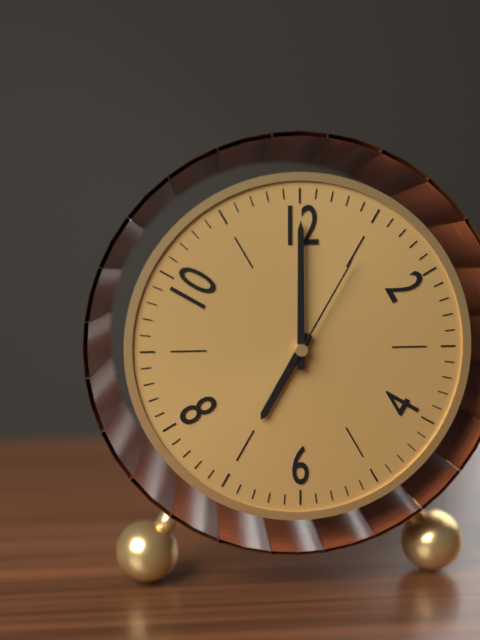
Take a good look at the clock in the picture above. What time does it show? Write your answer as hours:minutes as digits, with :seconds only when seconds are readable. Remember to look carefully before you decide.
7:00:05
